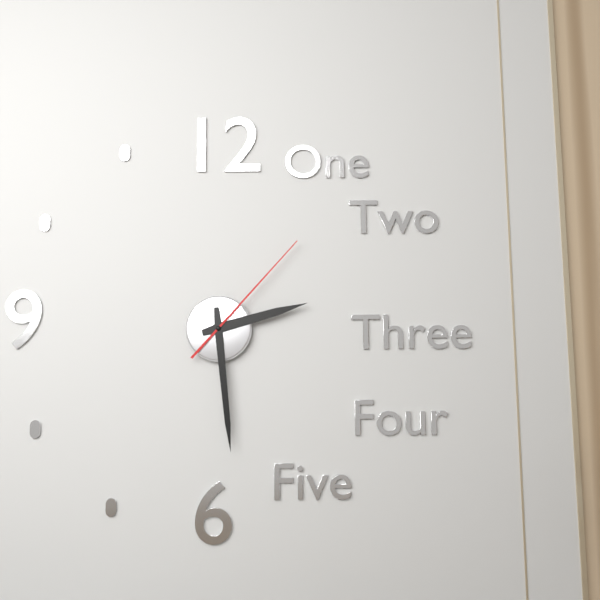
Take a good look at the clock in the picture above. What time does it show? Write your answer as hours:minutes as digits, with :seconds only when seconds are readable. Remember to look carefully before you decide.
2:29:07
